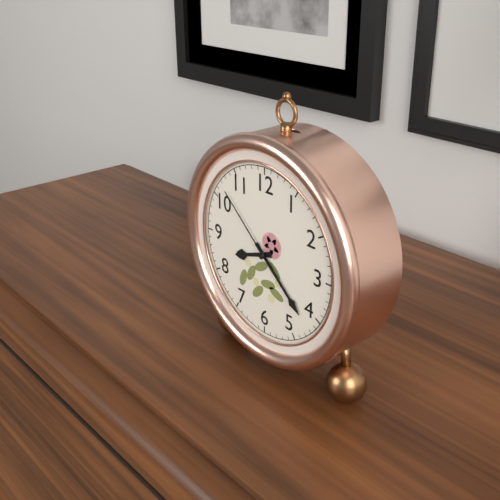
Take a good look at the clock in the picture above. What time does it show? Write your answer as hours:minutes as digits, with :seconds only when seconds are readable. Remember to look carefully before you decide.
8:22:52
